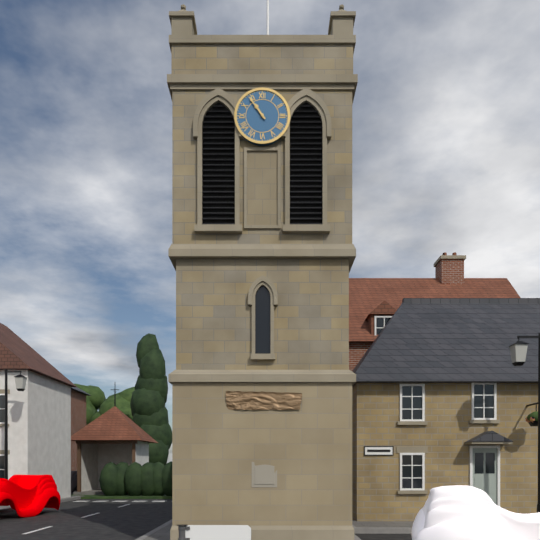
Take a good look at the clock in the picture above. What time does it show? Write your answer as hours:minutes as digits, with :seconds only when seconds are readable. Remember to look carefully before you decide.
10:54
